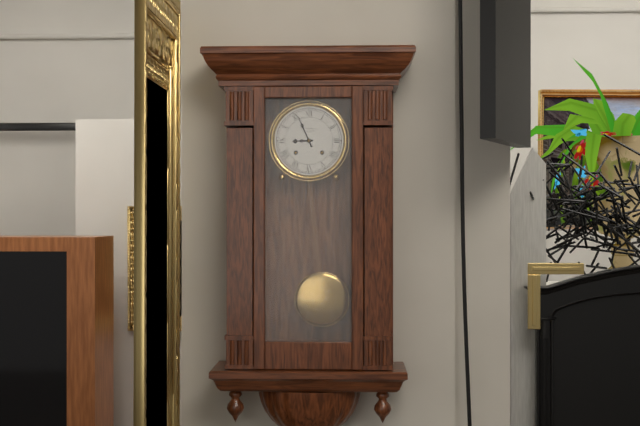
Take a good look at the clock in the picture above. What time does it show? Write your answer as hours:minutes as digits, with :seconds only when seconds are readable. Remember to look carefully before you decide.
8:56
